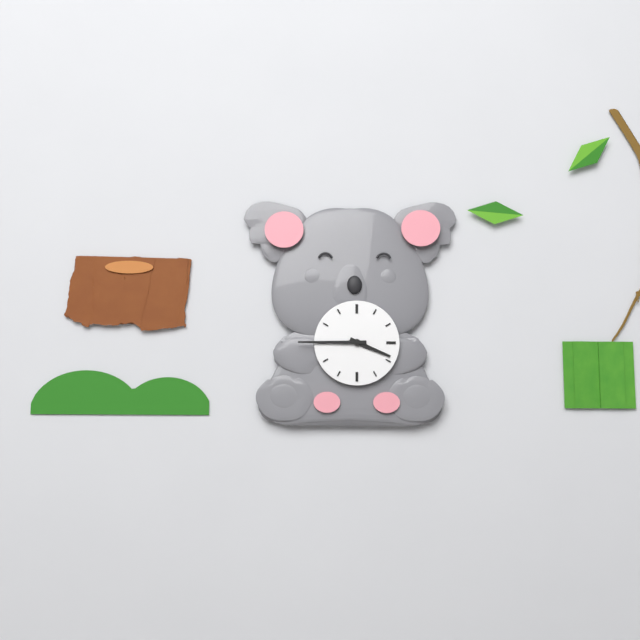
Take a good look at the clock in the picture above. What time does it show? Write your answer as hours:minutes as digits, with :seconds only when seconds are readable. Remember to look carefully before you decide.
3:45
